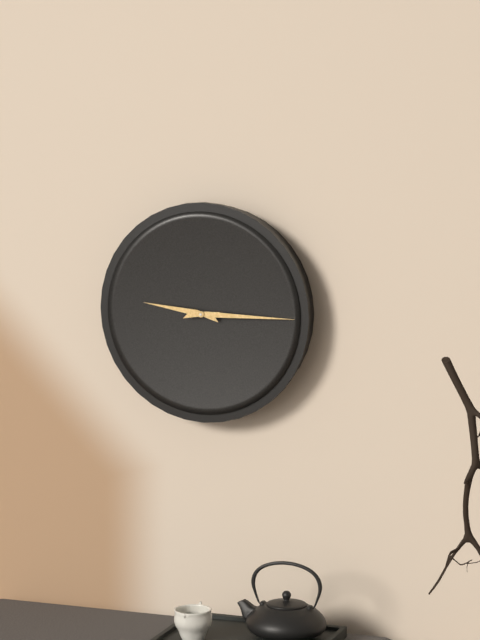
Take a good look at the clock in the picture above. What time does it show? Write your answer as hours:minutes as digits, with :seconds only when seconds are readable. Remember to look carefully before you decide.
9:15
